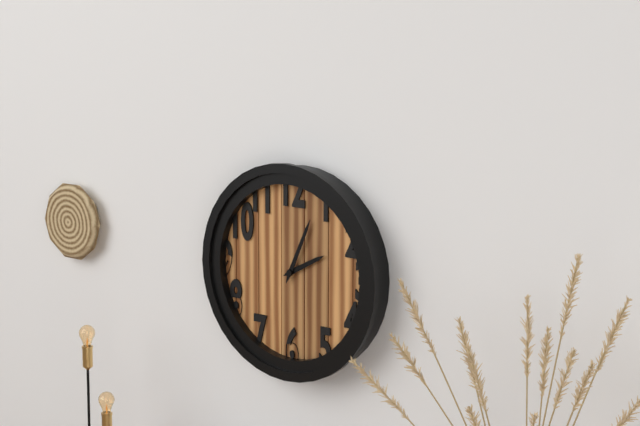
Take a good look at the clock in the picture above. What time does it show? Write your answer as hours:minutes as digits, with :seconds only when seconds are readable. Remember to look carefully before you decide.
2:04
